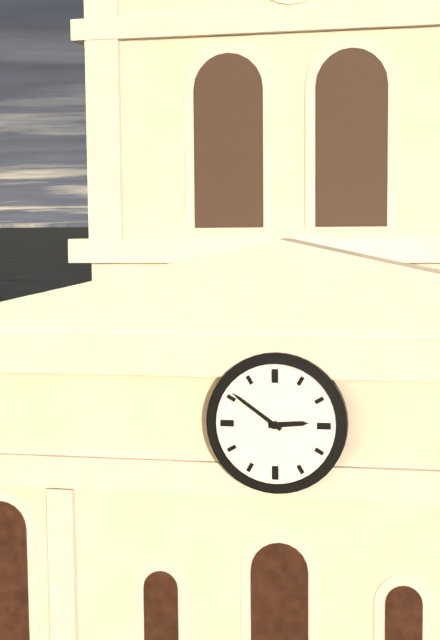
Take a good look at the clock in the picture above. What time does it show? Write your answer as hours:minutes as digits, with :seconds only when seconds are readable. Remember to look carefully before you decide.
2:51
